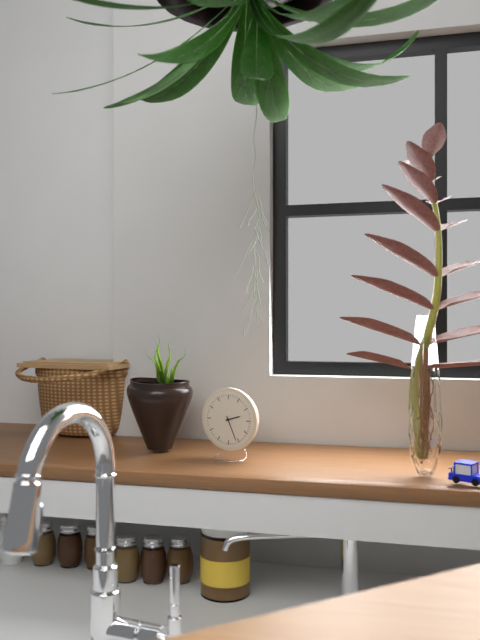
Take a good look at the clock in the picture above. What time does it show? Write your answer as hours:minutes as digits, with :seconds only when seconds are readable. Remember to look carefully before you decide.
2:26
